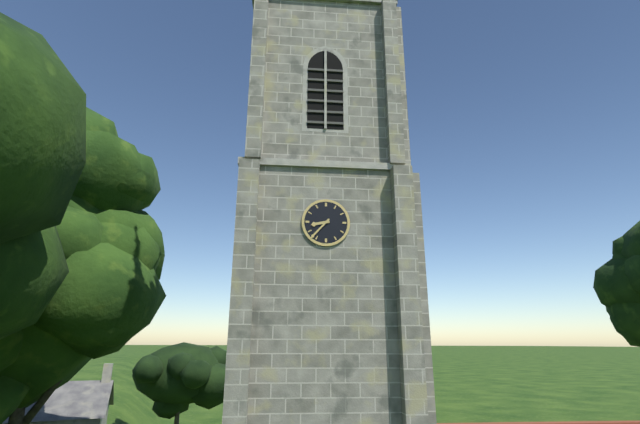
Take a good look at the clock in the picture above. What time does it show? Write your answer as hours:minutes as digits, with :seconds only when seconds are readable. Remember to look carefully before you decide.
8:37
